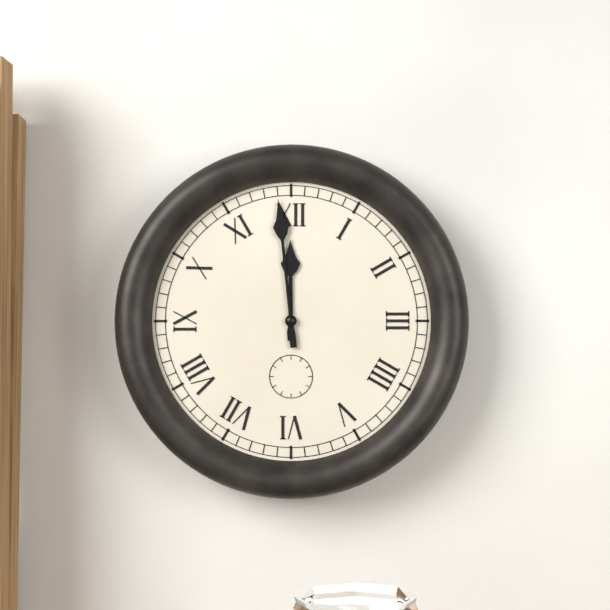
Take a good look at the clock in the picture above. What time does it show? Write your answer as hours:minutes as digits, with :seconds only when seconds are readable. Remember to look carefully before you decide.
11:59
